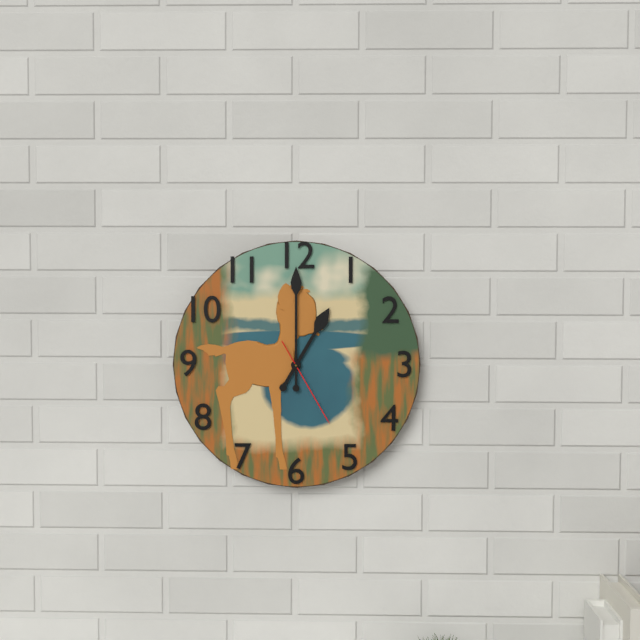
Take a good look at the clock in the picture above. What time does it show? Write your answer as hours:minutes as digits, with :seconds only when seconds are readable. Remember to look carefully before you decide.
1:00:25
